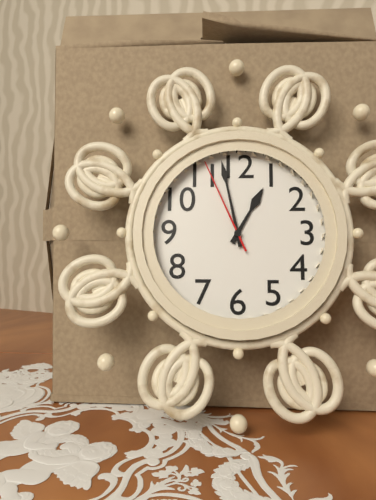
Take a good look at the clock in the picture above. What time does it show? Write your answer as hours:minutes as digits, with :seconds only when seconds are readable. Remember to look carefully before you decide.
12:58:56
